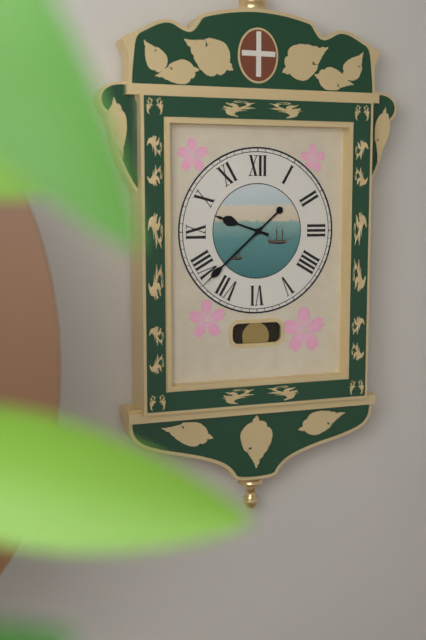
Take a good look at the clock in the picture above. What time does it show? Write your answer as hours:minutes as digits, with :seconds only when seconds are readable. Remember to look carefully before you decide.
9:38
